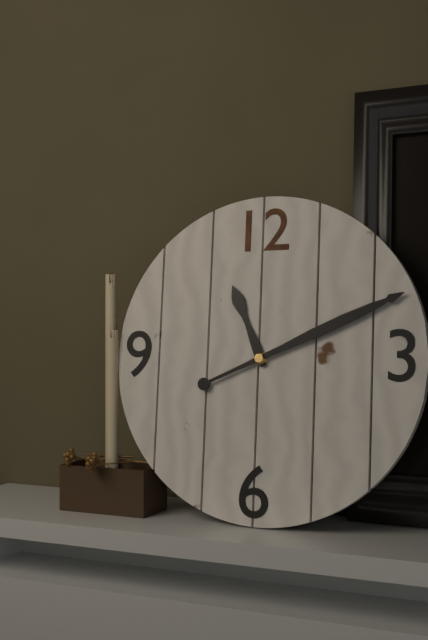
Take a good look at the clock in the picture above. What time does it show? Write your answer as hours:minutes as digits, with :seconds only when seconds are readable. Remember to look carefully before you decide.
11:11
